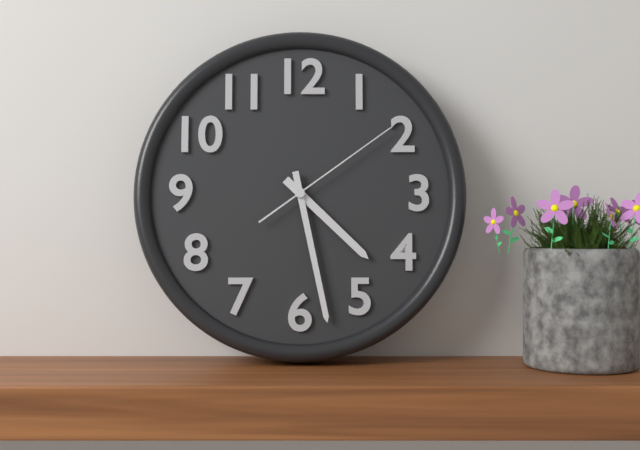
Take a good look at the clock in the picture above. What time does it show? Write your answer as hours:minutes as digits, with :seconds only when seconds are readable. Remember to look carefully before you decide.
4:28:09
